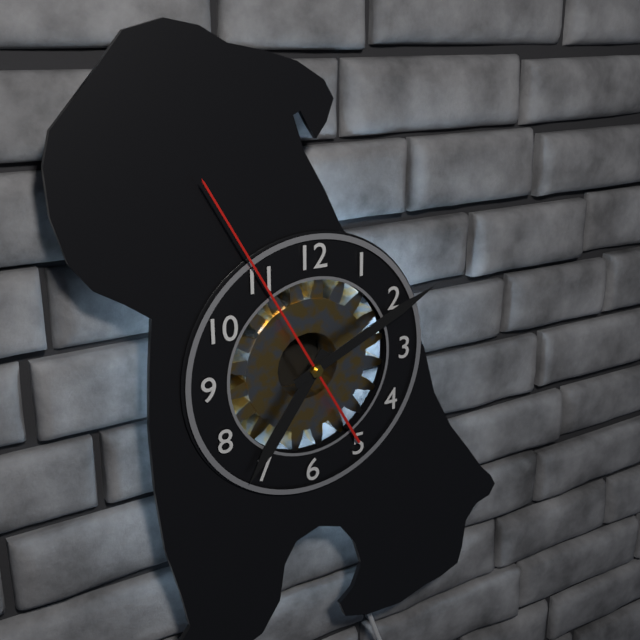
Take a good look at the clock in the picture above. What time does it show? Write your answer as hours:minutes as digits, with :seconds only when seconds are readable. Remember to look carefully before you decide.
7:11:55
